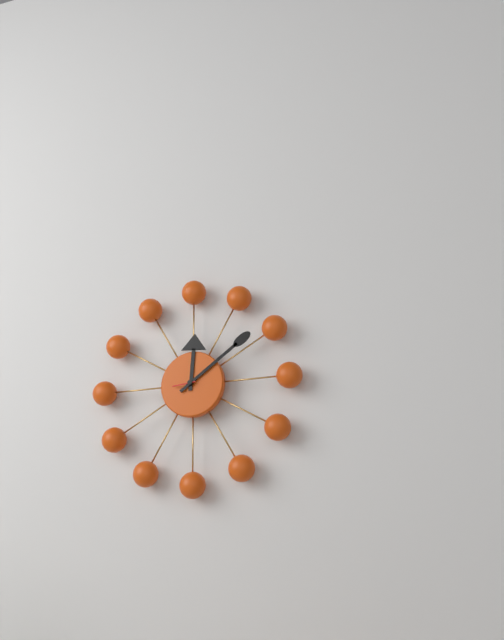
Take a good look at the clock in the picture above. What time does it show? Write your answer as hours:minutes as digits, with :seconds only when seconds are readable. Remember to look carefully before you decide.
12:09
